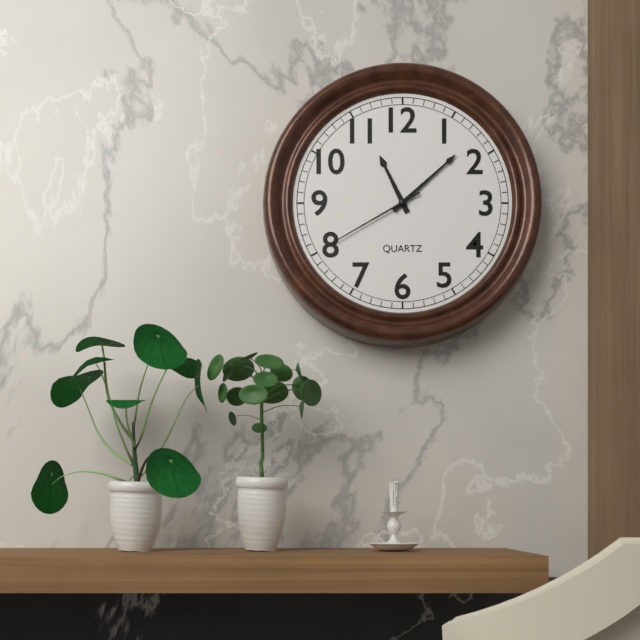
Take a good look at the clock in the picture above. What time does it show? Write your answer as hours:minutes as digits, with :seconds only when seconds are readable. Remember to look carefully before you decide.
11:08:40
